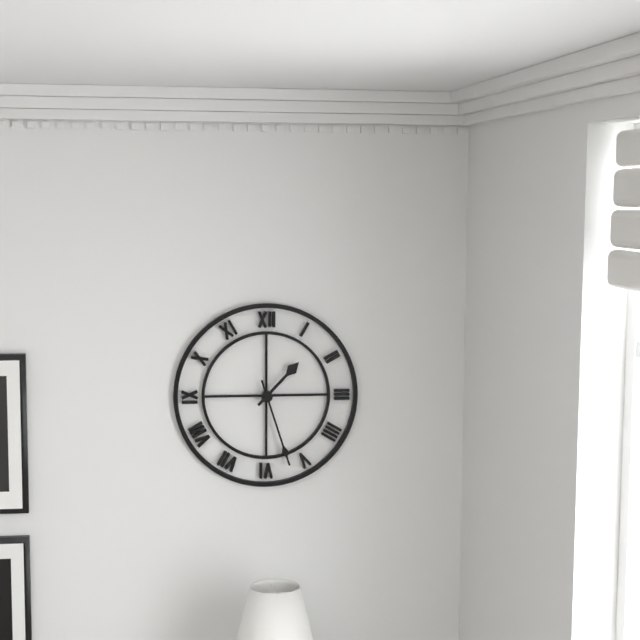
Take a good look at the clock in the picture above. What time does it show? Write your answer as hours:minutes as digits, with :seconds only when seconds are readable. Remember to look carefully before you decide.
1:27
